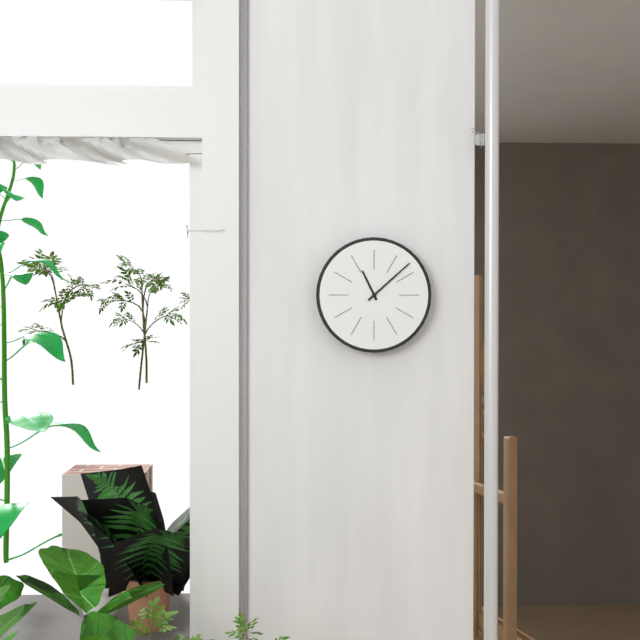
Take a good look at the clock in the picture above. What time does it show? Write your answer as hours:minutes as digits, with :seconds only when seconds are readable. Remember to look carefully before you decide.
11:08
